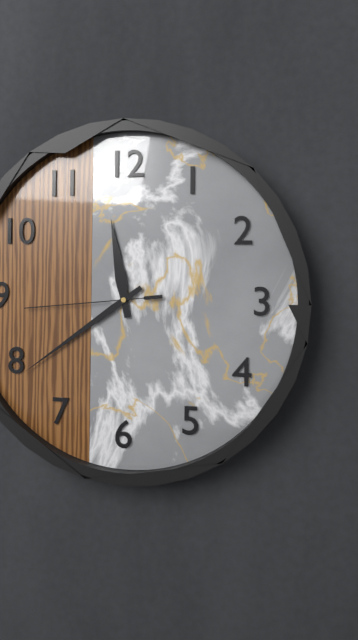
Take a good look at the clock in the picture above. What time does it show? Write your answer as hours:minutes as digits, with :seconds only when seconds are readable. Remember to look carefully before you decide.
11:39:44
